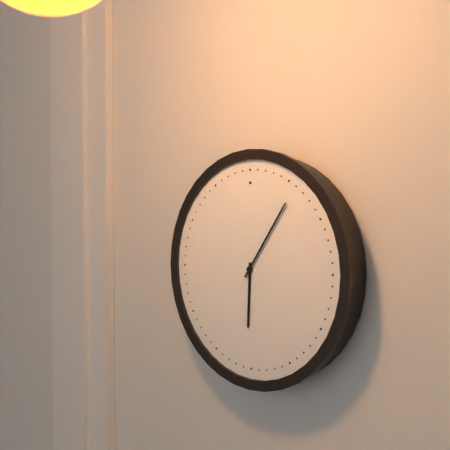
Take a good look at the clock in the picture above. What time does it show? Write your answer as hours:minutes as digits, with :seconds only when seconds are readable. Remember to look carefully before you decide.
6:06
